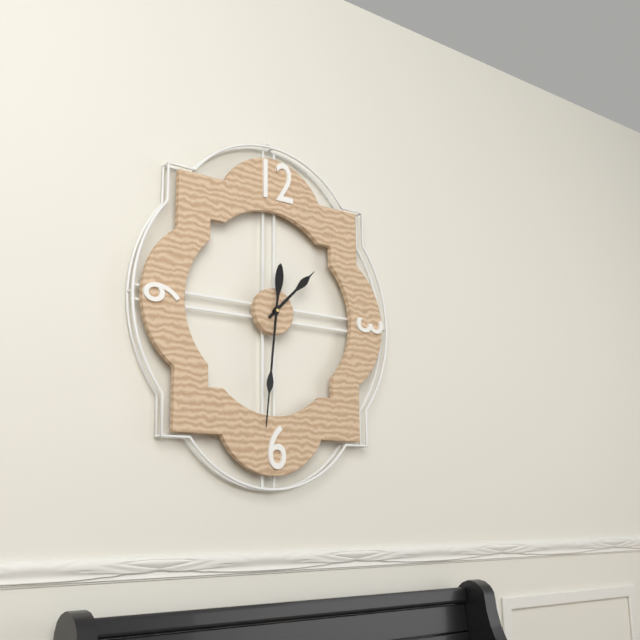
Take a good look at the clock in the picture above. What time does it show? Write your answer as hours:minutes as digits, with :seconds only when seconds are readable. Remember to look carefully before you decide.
1:31
